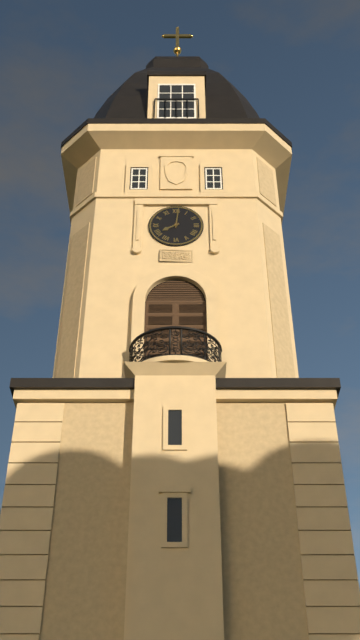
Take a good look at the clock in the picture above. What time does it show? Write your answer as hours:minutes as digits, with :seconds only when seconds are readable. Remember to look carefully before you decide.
8:01
